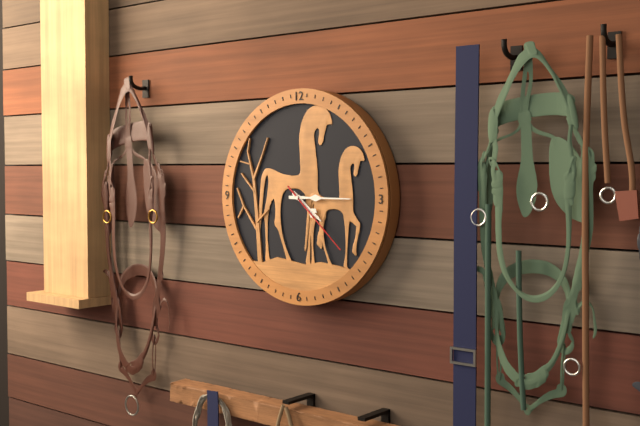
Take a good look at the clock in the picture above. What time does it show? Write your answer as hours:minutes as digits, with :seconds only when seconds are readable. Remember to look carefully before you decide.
4:15:22
